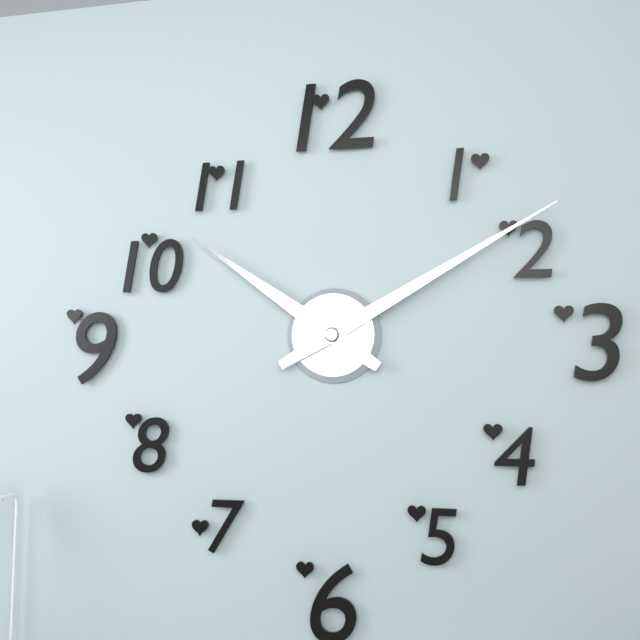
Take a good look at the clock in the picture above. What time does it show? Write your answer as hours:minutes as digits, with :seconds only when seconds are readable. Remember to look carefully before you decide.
10:10
